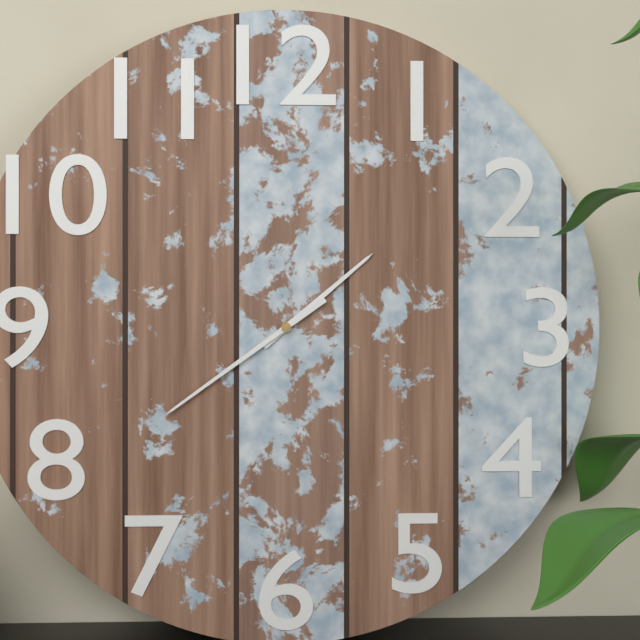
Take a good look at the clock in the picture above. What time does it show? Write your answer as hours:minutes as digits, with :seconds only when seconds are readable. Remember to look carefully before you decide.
1:39
